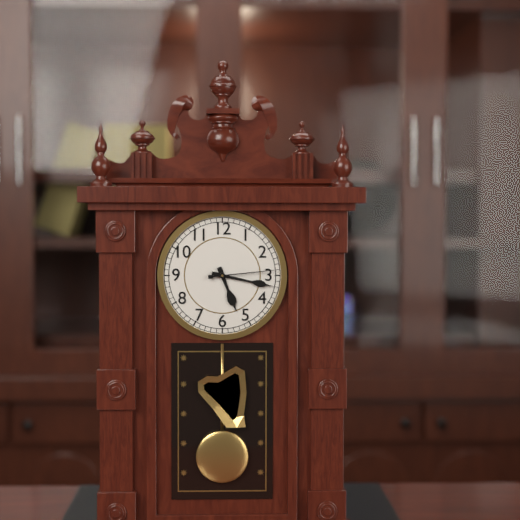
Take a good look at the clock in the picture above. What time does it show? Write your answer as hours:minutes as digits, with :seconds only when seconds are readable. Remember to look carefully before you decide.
5:17:14
